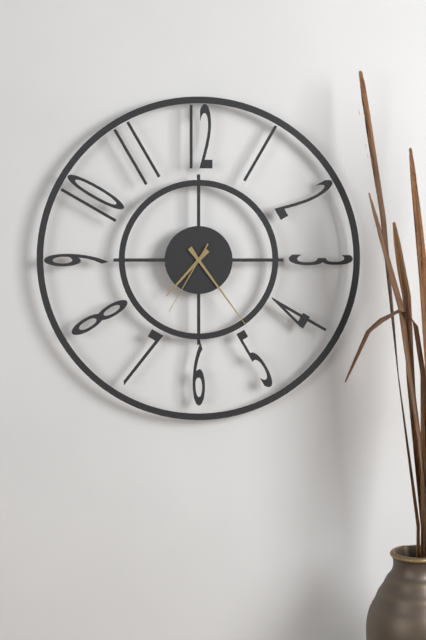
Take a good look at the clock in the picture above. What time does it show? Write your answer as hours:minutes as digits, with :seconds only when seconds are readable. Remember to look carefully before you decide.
7:24:35
